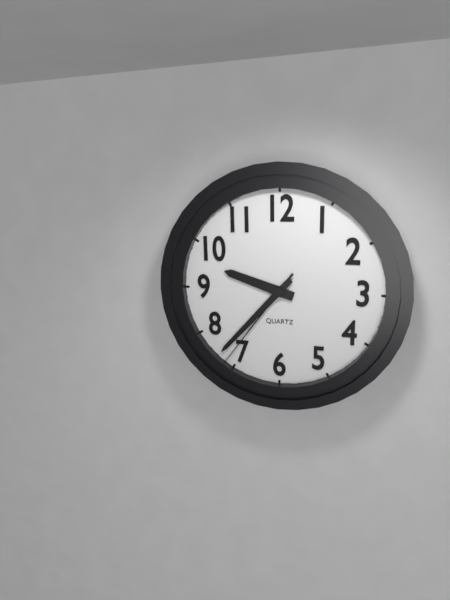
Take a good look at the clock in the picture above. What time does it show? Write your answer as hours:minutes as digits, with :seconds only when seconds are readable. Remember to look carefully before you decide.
9:37:36
